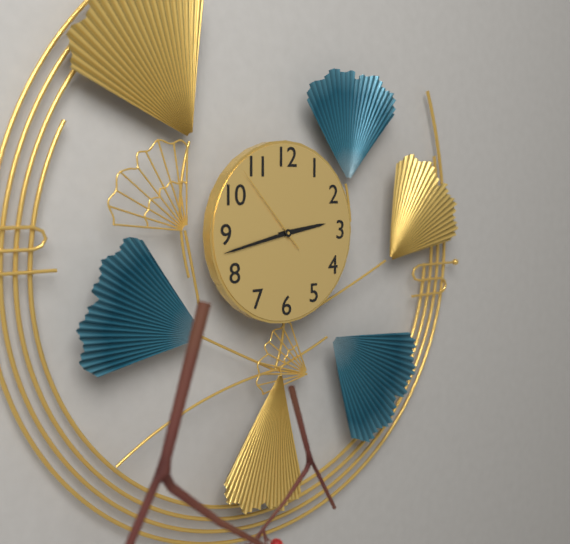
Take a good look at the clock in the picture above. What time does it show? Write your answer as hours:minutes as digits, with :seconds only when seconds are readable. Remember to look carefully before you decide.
2:43:53
